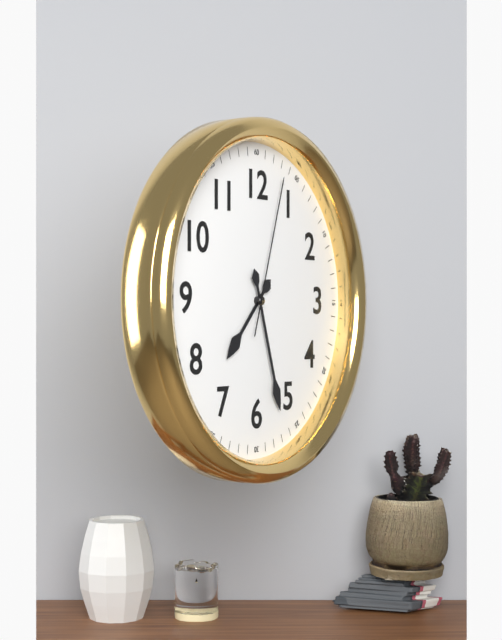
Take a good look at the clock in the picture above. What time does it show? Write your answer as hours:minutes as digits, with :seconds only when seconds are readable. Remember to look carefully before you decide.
7:27:03
